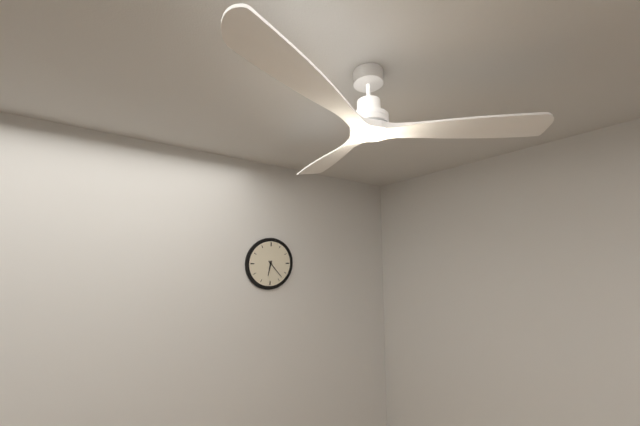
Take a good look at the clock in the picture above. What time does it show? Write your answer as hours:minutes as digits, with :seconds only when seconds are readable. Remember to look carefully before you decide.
6:23
